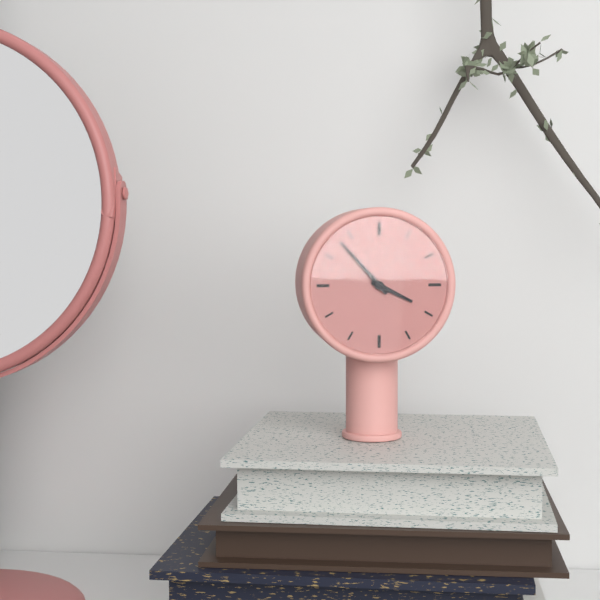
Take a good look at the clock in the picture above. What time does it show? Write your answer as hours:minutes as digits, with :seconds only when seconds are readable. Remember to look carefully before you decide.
3:53
